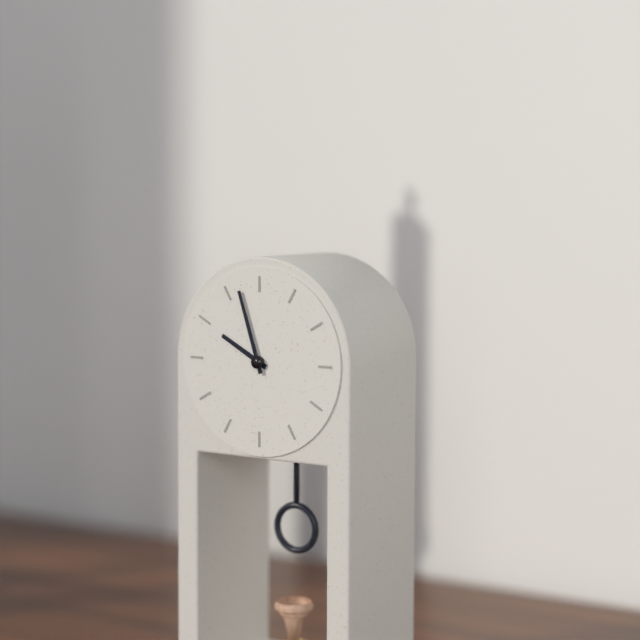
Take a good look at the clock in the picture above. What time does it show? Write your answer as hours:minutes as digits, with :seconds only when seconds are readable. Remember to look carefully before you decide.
9:57
